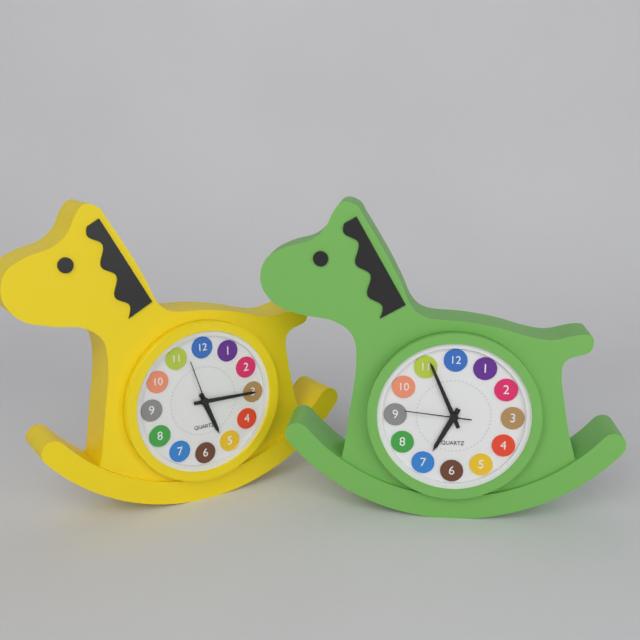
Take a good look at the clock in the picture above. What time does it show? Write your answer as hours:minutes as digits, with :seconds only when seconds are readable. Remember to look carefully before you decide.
6:56:46
